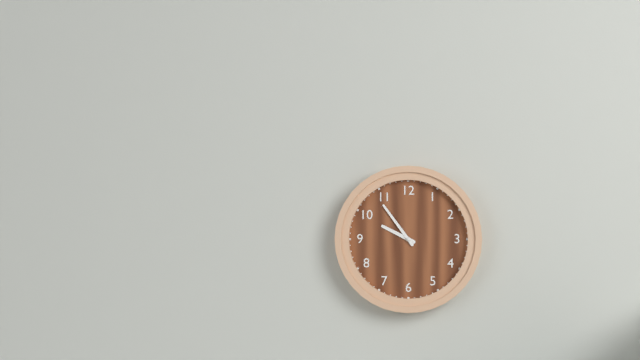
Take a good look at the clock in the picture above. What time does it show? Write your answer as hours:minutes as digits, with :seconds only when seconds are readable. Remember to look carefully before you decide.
9:54
